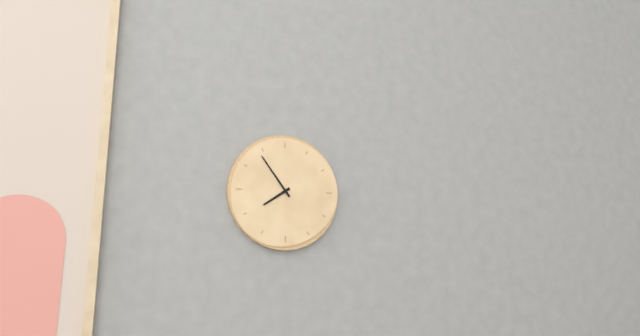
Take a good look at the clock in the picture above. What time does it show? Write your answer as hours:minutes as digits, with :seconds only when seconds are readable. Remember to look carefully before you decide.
7:54
